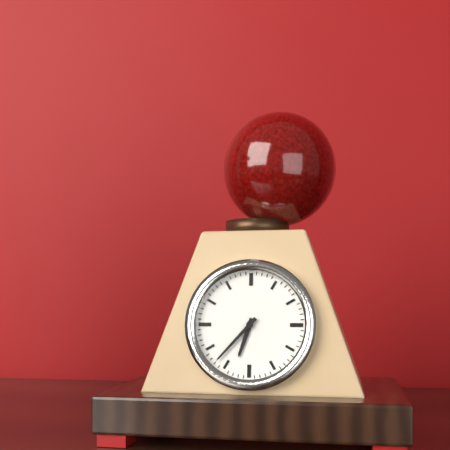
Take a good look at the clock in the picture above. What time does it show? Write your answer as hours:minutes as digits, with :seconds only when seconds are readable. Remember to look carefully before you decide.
6:37
